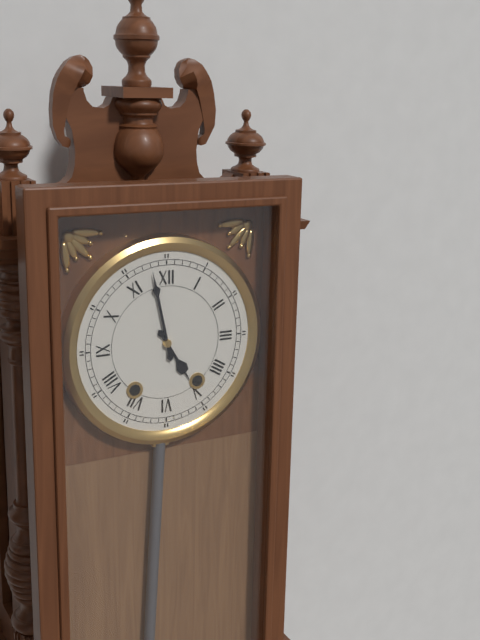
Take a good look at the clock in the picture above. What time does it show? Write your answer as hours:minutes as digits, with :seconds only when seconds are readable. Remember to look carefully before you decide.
4:58
